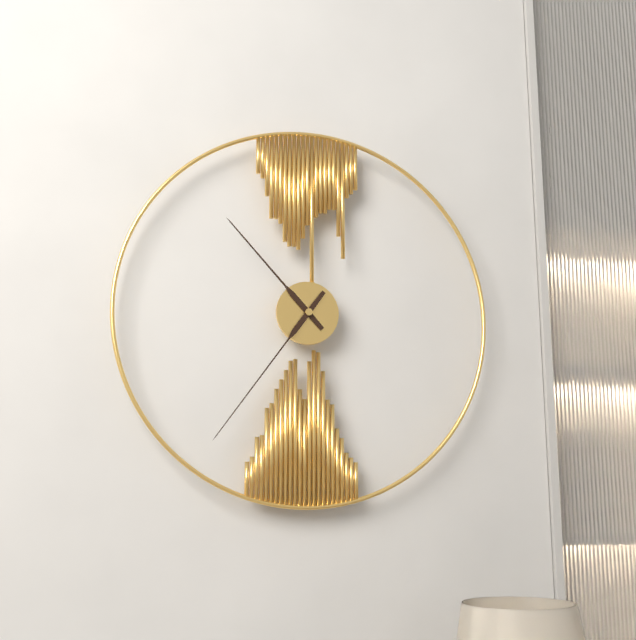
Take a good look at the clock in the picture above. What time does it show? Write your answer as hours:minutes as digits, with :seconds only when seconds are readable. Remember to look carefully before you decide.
10:36
